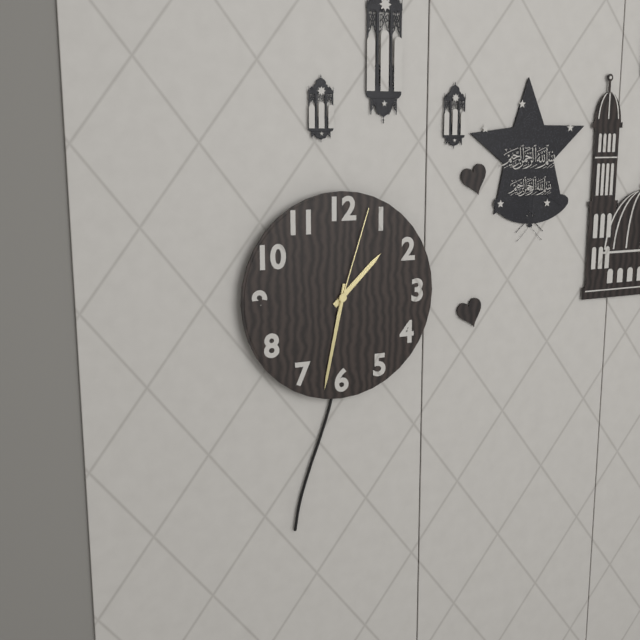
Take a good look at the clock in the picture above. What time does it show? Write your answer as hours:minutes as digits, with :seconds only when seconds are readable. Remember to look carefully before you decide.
1:32:03
